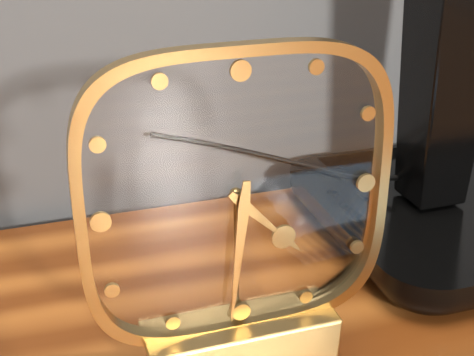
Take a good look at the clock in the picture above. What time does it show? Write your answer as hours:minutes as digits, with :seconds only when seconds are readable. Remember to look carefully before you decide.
4:31
